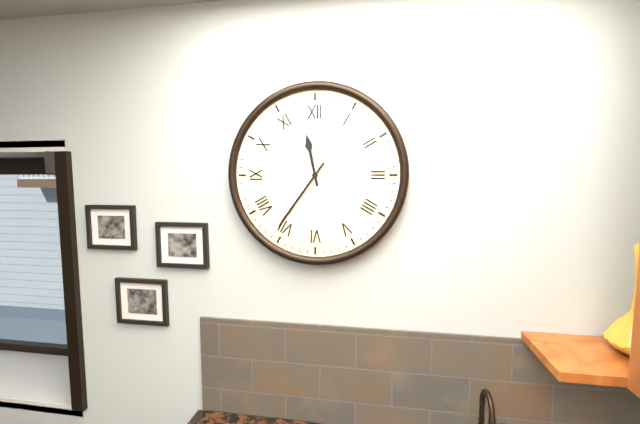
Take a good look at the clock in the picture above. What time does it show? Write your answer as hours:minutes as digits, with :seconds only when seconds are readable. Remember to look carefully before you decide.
11:36
